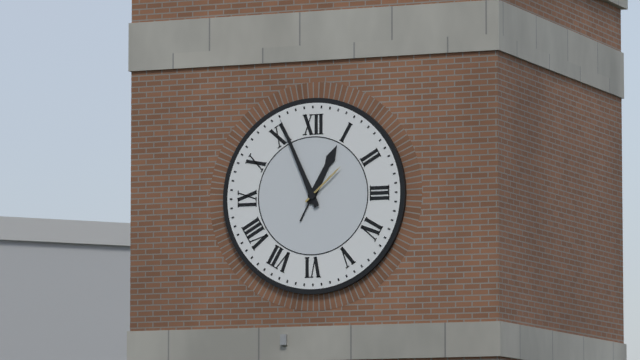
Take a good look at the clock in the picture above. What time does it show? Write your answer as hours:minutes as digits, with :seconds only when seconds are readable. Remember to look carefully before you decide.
12:56:08
